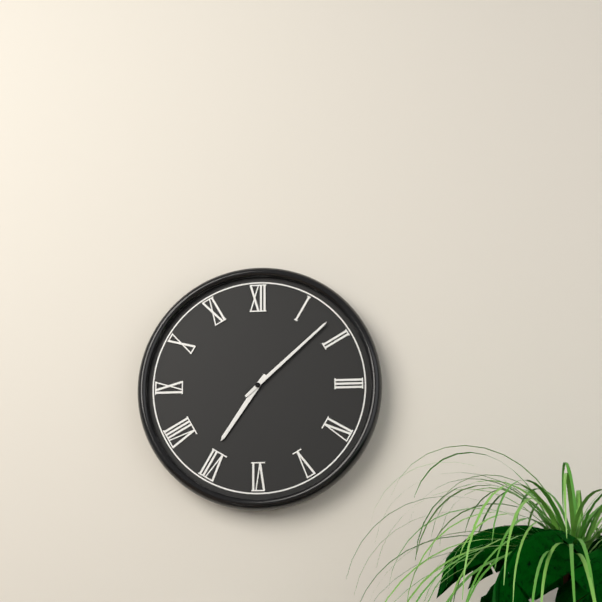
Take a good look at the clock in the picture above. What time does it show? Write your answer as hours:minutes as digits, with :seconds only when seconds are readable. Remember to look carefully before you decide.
7:08
